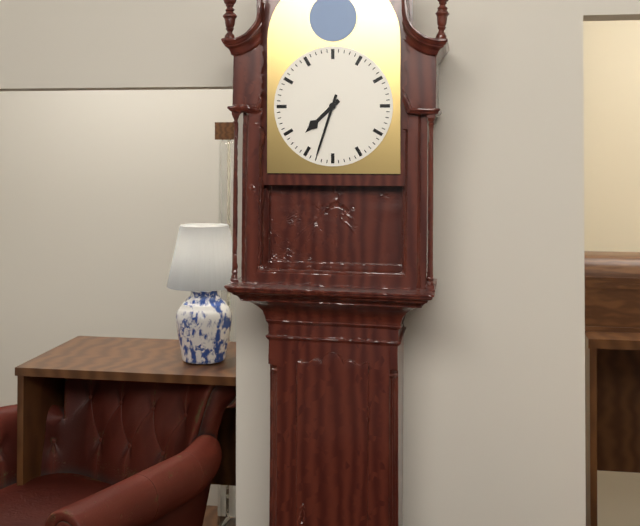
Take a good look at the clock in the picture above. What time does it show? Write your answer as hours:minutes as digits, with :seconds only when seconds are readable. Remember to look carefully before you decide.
7:33
